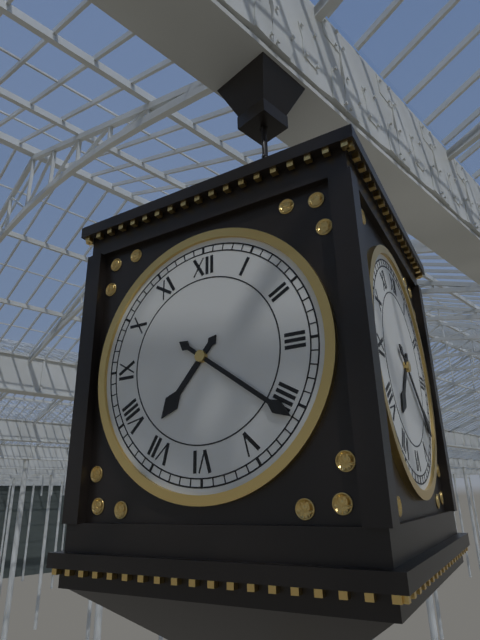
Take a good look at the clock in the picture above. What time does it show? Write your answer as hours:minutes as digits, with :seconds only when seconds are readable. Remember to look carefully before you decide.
7:21
